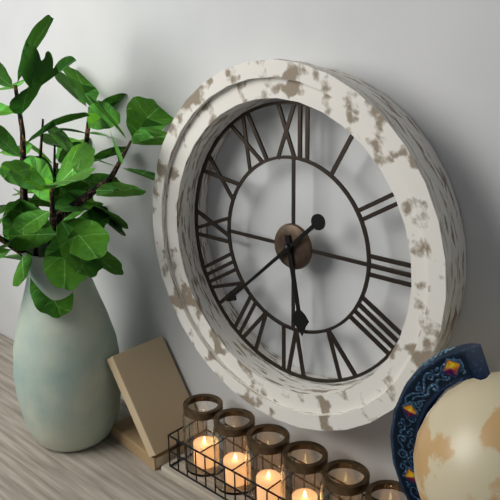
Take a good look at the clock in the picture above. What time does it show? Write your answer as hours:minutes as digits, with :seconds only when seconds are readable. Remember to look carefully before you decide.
5:38
